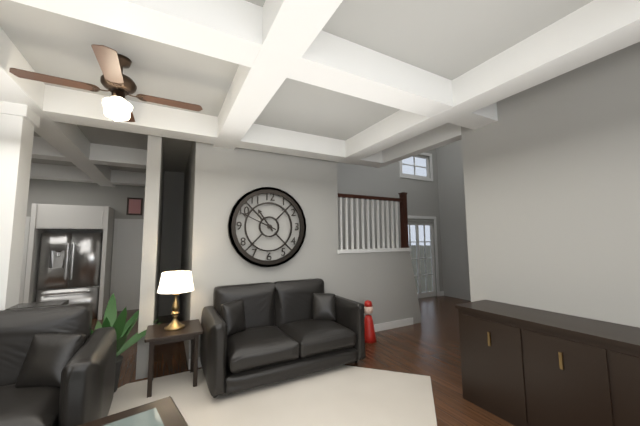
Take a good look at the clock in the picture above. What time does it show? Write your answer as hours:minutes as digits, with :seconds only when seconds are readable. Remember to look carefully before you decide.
10:49
